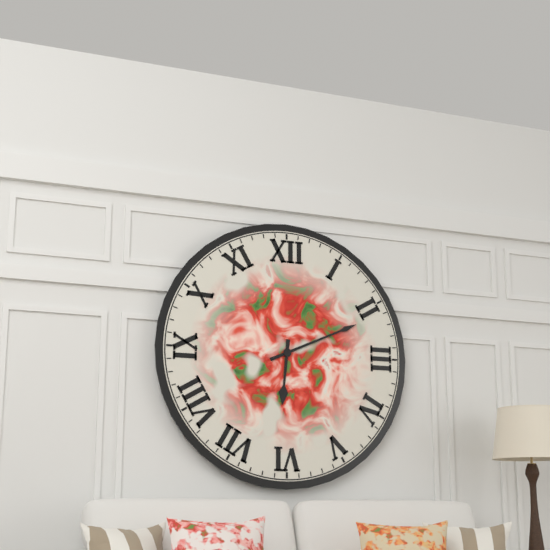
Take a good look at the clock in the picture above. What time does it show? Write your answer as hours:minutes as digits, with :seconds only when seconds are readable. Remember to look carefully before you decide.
6:11
